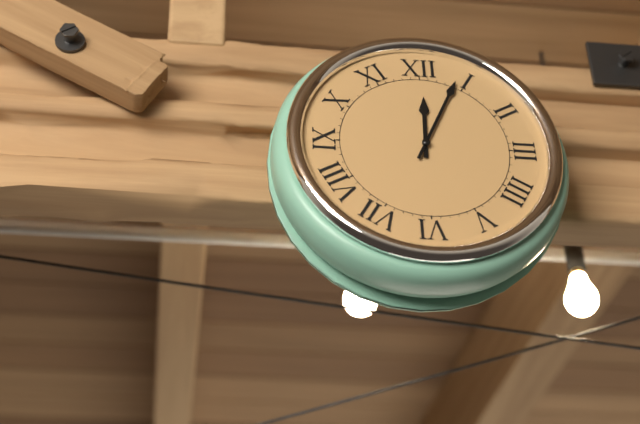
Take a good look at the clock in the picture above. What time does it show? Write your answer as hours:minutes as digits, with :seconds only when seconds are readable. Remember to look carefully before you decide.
12:04
